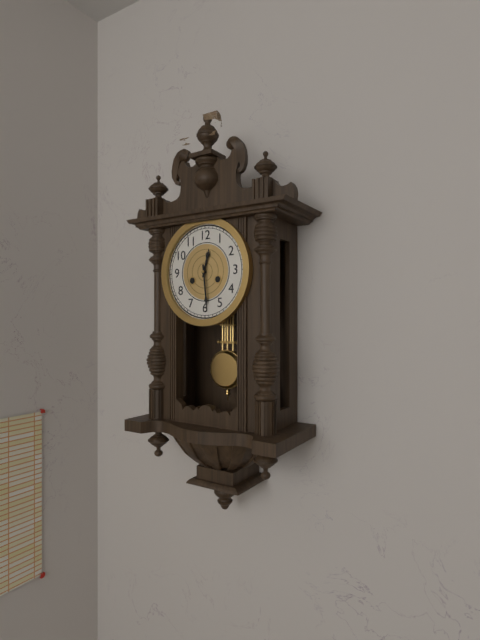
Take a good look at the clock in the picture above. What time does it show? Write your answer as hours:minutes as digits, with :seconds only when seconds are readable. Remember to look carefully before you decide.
12:29
